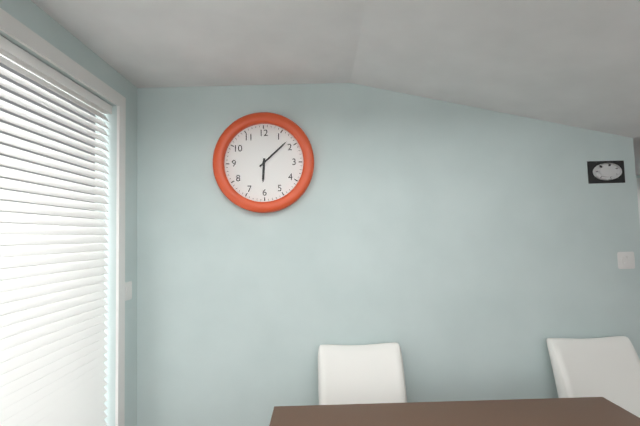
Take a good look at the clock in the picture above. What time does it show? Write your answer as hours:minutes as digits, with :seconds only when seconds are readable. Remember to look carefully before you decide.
6:08
